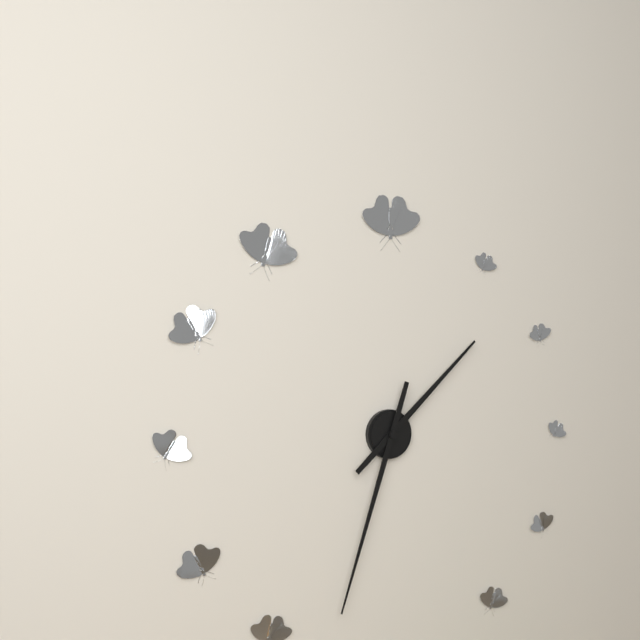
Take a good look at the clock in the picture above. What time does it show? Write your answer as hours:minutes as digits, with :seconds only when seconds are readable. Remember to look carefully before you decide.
1:33
